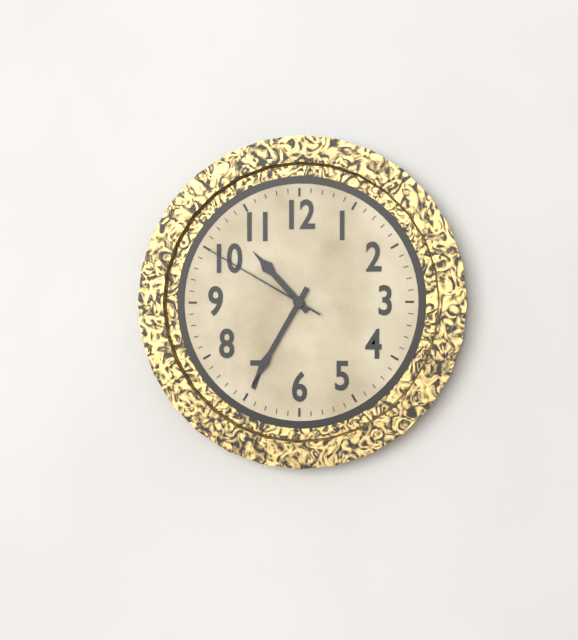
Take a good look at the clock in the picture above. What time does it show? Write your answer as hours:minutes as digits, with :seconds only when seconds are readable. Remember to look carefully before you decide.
10:35:50
